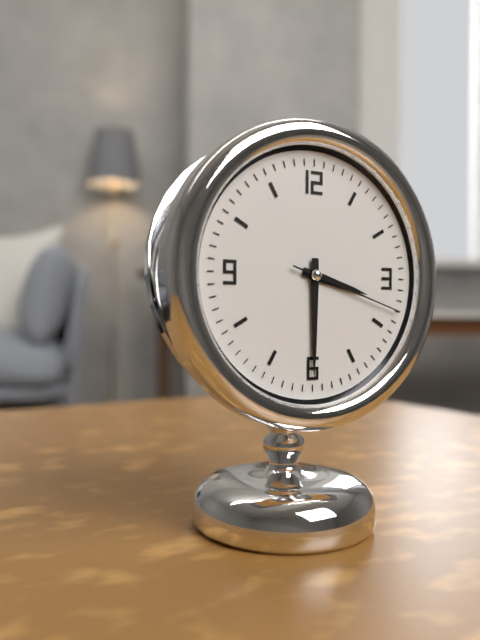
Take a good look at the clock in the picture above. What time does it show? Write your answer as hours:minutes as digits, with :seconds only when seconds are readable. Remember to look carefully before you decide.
3:30:18
